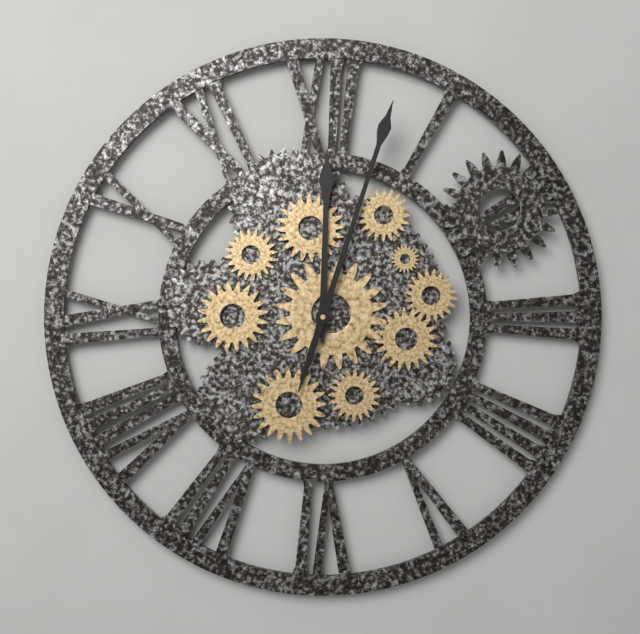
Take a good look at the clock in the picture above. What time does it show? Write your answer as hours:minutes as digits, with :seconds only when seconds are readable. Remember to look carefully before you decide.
12:03
